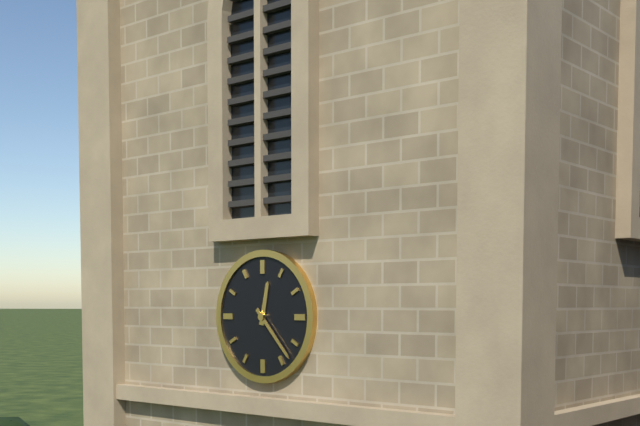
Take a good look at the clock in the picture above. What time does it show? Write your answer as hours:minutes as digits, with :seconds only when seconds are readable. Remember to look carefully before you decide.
12:23
